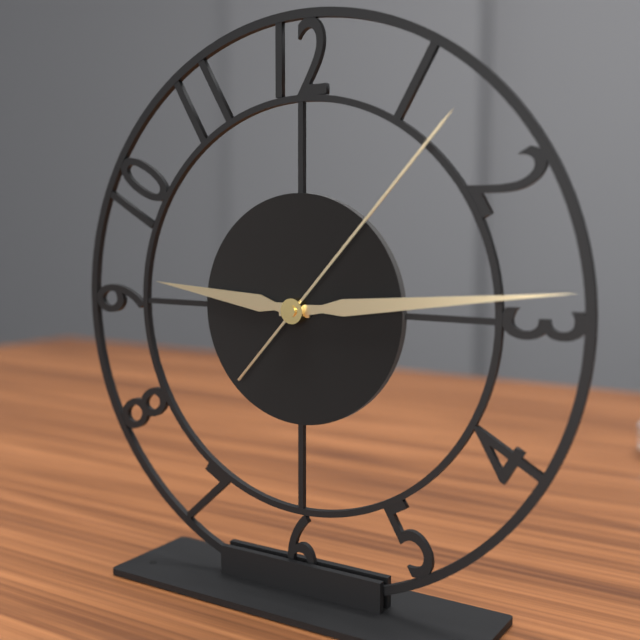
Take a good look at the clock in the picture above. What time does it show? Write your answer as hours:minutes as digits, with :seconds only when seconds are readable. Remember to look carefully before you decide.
9:14:07
